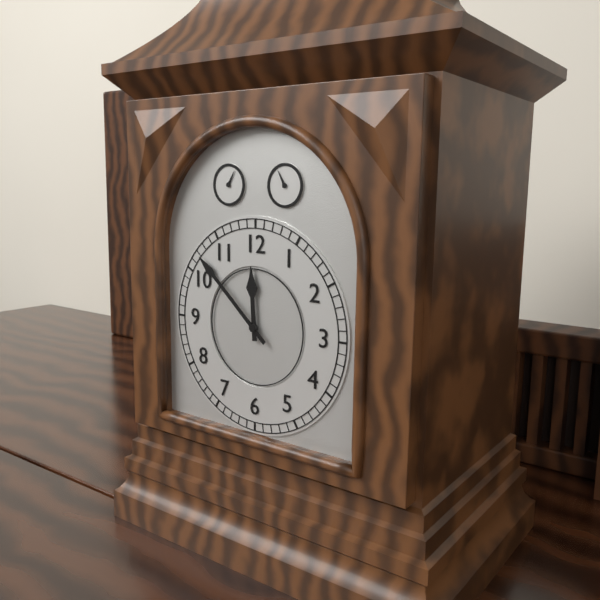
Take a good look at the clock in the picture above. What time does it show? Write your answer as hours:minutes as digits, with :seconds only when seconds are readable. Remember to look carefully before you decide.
11:52
